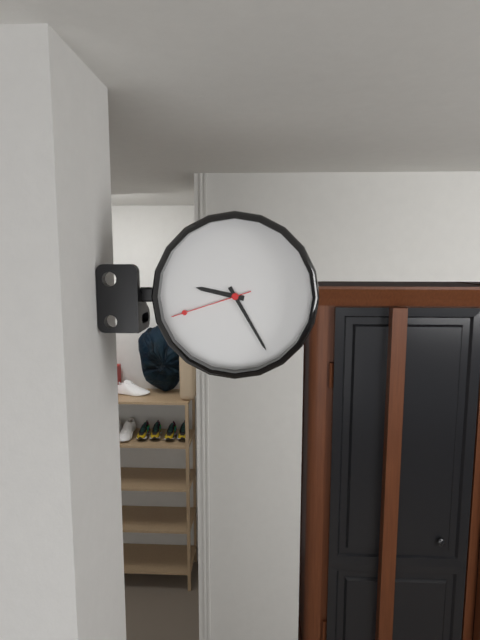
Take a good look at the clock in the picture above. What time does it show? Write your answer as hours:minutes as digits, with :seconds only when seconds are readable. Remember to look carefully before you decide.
9:25:42
